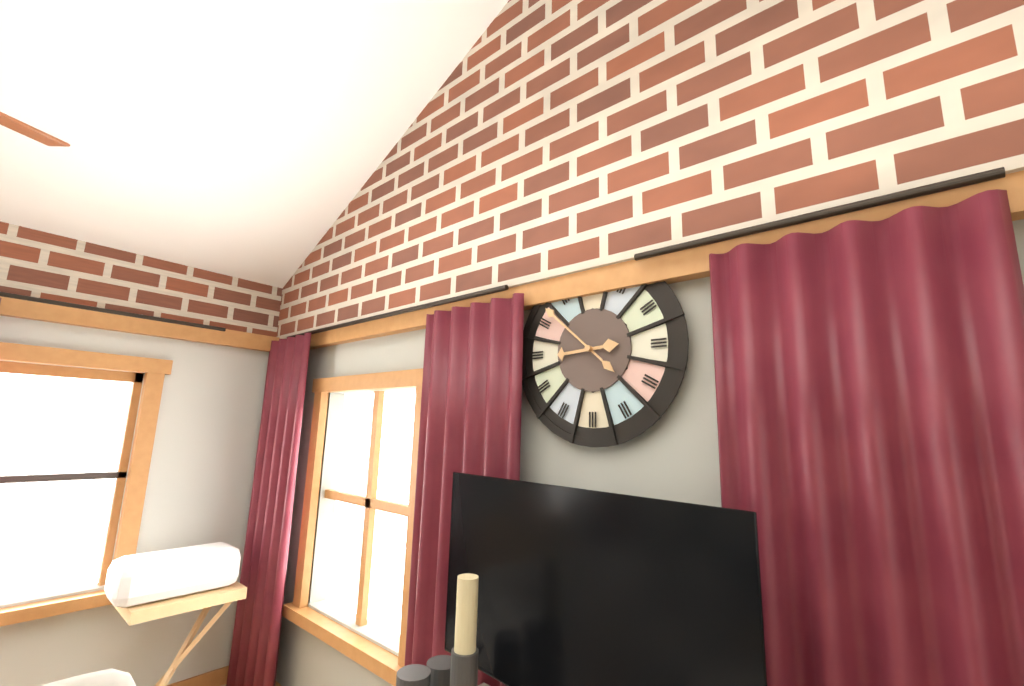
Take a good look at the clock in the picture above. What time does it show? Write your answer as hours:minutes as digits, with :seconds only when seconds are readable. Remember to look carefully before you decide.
8:52
